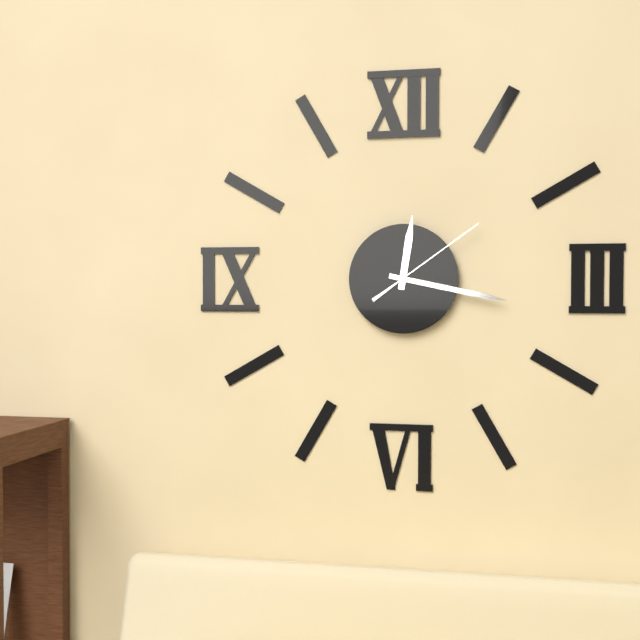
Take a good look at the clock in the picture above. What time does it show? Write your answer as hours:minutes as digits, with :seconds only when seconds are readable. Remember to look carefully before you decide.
12:17:09
